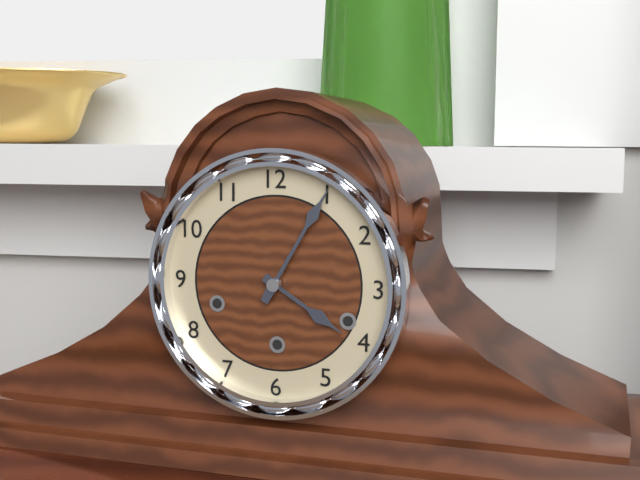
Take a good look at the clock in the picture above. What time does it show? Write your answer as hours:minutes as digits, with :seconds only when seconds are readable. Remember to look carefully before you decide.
4:05
